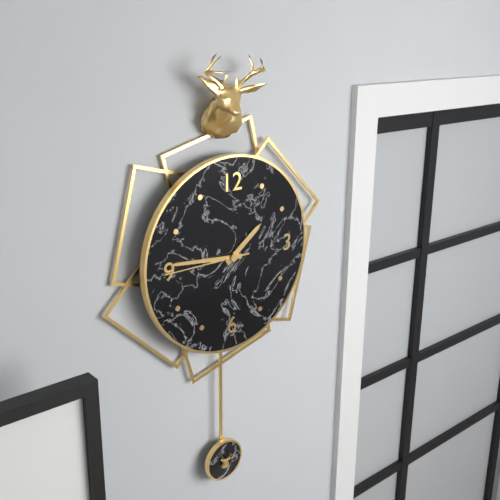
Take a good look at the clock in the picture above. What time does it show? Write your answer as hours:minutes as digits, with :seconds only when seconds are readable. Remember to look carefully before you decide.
1:46:45
